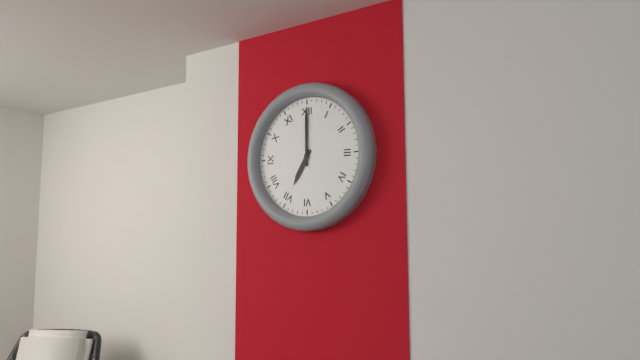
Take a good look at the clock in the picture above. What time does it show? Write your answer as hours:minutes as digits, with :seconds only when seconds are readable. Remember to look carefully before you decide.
7:00
